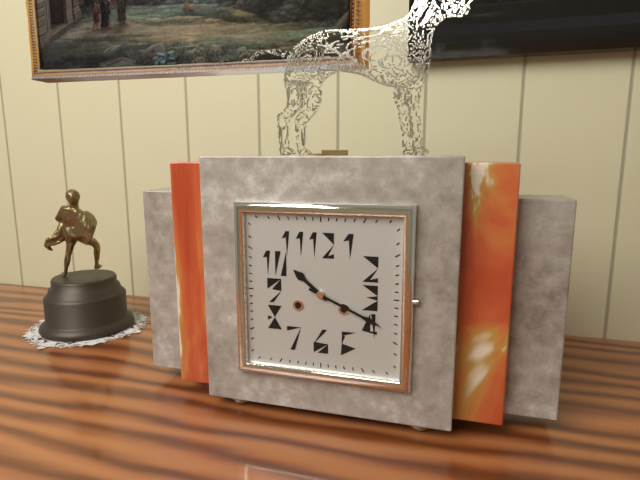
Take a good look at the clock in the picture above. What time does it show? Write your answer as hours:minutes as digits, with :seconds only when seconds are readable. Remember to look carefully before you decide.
10:19
